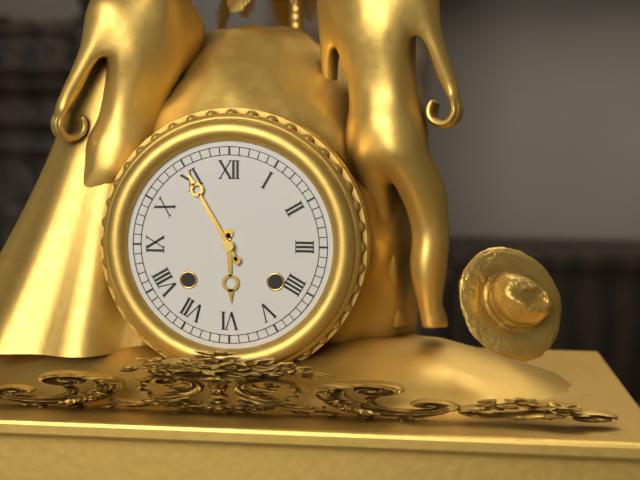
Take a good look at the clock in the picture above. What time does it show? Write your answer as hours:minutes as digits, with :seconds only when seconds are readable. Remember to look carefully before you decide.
5:55
